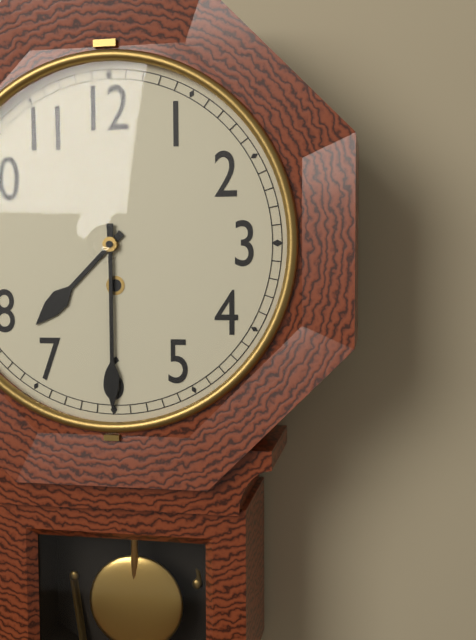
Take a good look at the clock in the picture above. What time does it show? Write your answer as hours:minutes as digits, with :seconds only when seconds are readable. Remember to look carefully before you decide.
7:30
